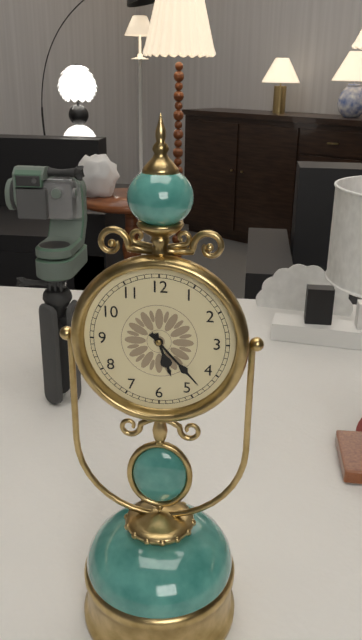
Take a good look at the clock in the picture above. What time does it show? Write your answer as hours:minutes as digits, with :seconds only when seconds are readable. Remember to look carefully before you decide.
5:23
